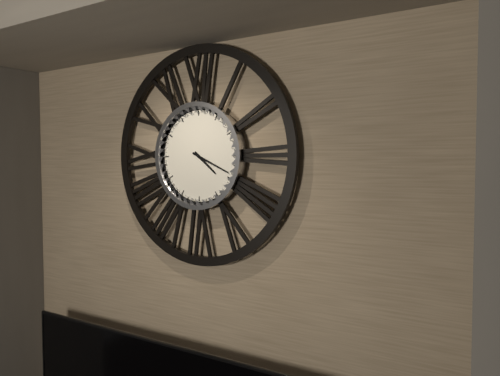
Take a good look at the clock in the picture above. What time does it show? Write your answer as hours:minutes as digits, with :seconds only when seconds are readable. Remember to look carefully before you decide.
4:19
